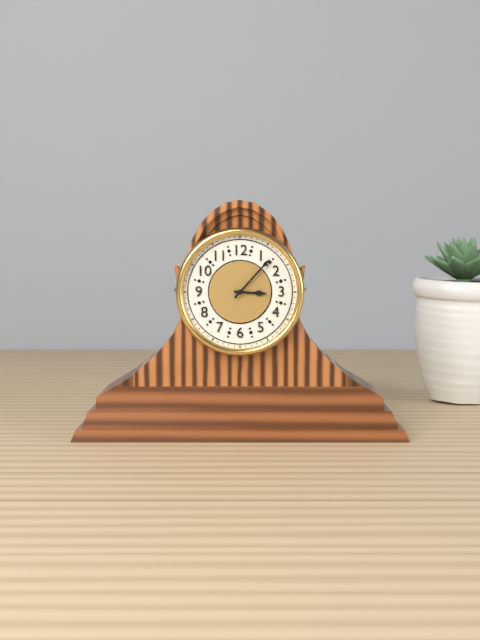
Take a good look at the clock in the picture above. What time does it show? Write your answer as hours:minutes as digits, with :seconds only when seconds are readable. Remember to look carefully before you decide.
3:07
